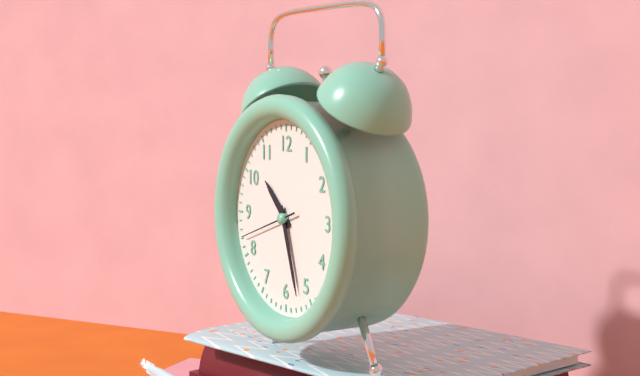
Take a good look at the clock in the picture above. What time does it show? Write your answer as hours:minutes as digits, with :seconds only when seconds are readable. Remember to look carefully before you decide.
10:27:42
